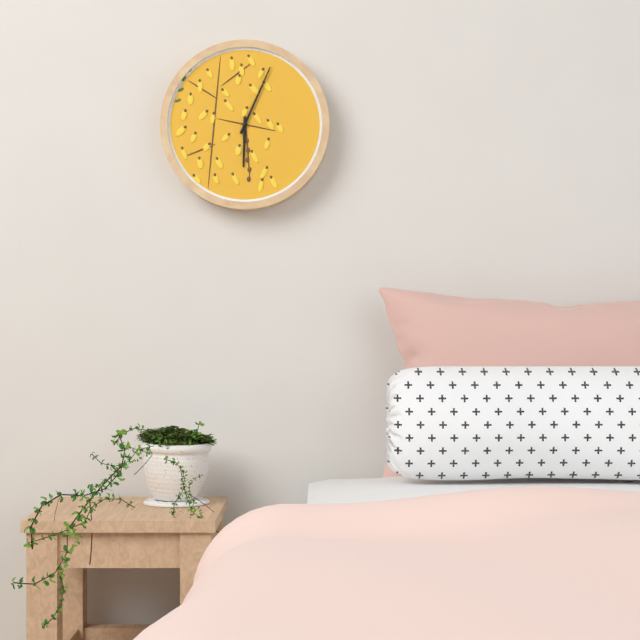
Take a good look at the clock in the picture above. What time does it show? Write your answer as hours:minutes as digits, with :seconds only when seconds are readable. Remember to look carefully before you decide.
6:04
